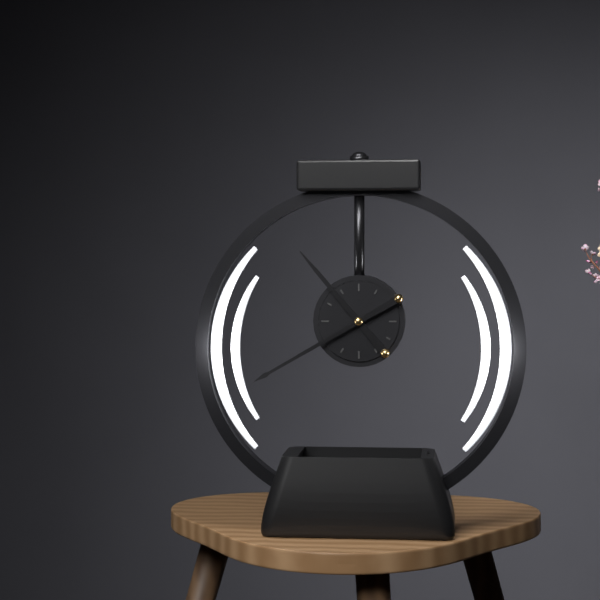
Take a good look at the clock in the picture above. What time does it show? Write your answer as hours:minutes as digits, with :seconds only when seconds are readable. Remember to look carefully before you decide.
10:40
